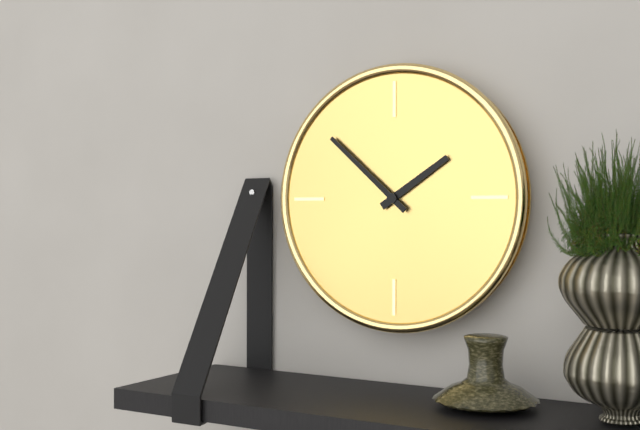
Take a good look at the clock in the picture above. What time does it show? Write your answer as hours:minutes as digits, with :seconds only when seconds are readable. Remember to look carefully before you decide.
1:52
